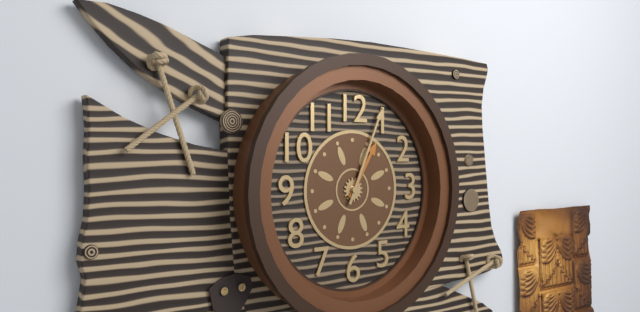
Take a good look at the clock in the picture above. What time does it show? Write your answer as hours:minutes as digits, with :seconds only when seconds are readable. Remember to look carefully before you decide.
1:04
